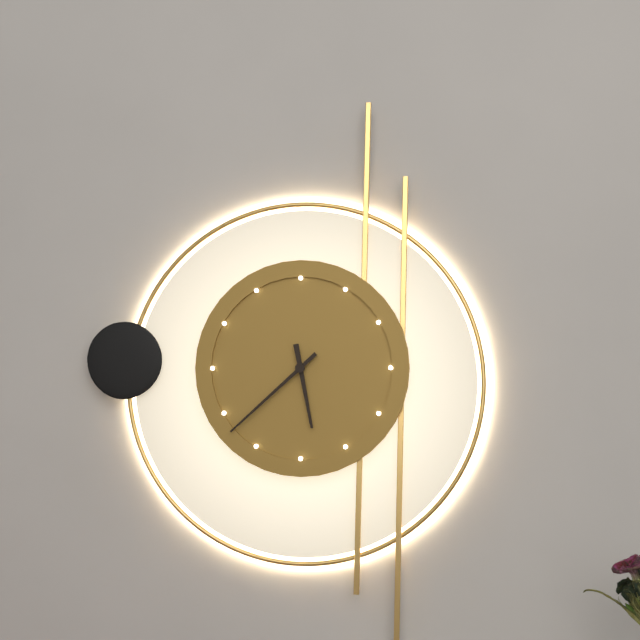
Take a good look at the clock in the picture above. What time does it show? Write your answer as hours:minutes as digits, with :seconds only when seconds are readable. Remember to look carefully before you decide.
5:38
